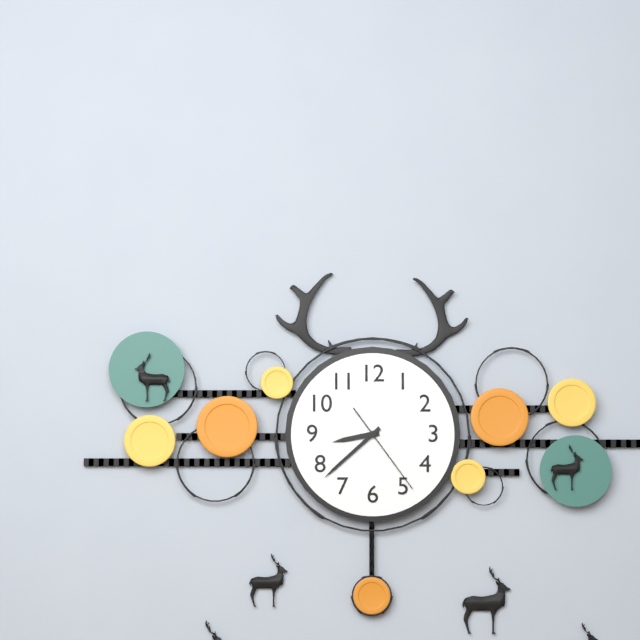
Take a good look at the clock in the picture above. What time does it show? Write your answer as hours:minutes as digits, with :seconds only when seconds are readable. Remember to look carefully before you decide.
8:38:24
